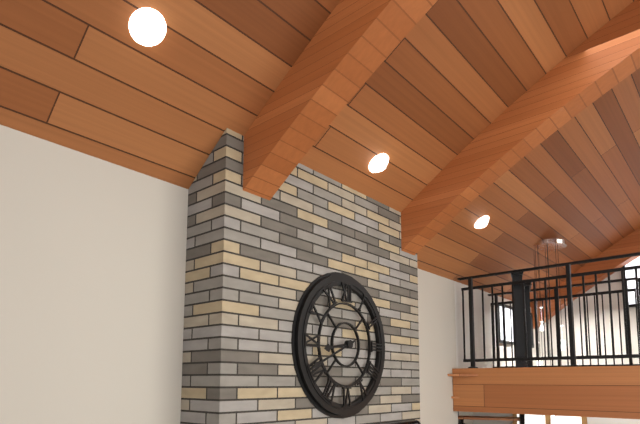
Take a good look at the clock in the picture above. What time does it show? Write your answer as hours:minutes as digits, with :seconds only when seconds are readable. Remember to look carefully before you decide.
8:41
